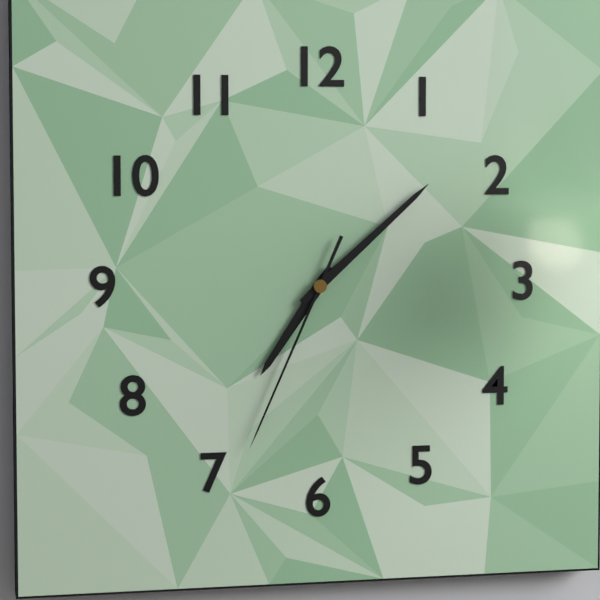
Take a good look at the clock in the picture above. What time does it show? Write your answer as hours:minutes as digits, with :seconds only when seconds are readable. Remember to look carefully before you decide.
7:08:34
